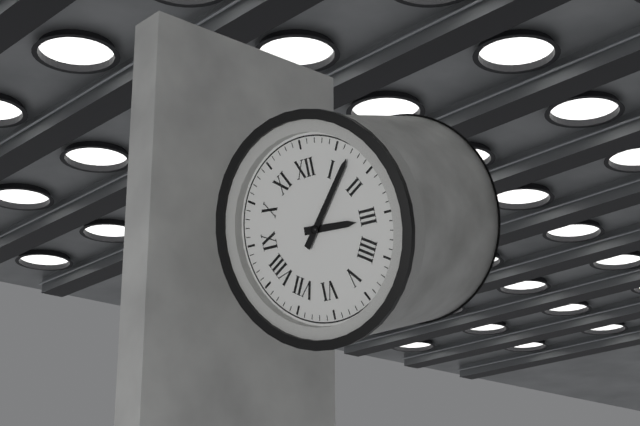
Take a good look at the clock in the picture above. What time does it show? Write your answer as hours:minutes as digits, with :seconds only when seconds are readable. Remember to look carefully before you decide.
3:07
